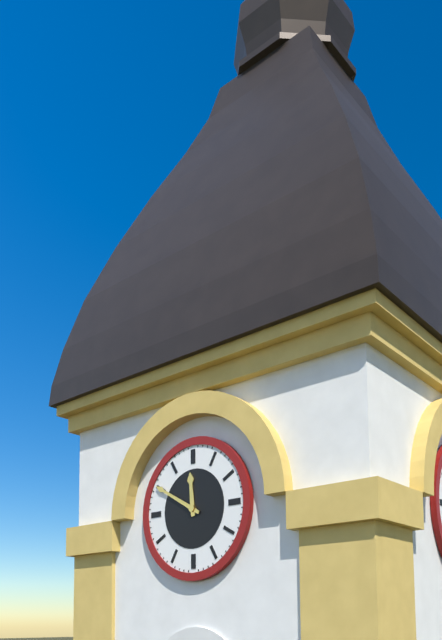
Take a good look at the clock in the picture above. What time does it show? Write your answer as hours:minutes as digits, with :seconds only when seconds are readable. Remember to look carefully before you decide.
11:50
